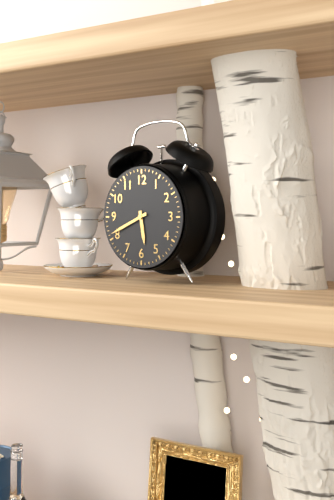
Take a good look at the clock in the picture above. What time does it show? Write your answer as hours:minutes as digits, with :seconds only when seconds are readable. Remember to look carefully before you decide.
5:41
